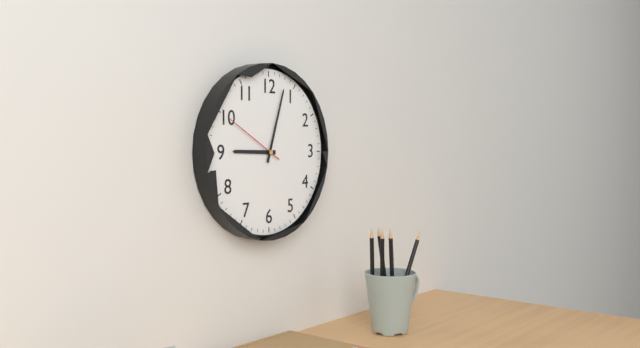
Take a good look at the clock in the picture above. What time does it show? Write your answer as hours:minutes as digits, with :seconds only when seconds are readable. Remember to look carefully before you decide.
9:03:50
